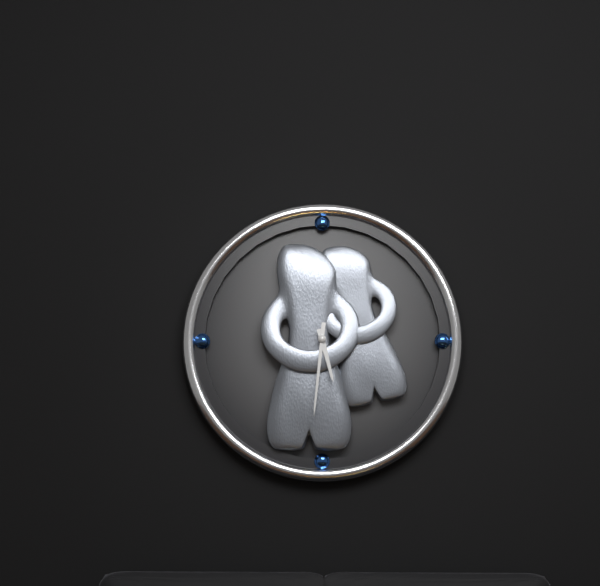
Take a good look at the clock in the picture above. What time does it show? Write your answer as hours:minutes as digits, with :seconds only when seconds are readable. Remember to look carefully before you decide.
5:31
